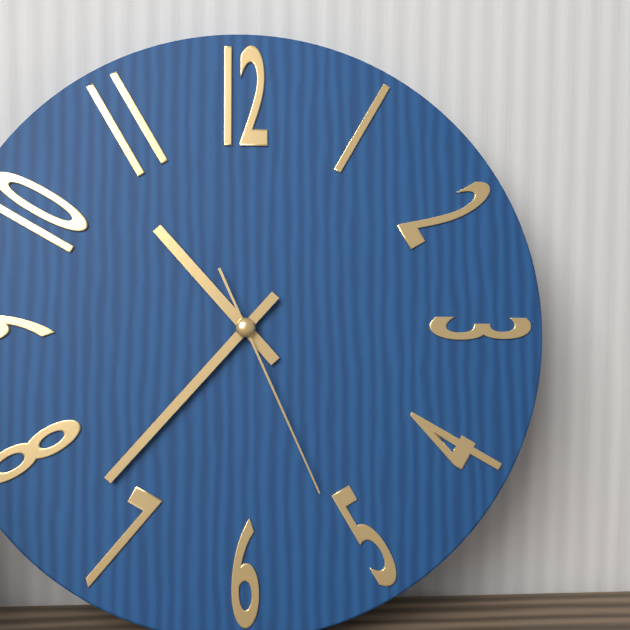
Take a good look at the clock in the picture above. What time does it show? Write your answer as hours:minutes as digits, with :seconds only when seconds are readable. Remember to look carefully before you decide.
10:37:26
